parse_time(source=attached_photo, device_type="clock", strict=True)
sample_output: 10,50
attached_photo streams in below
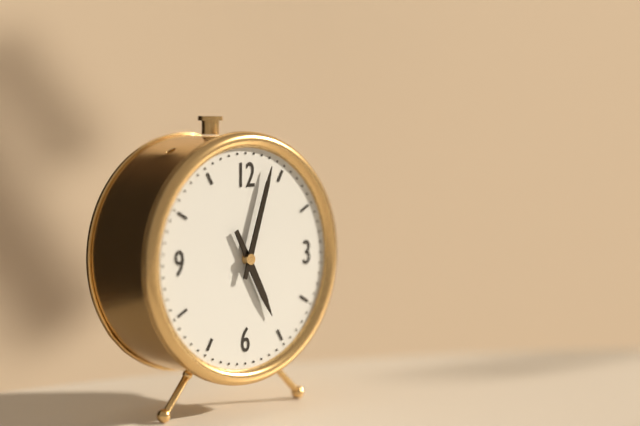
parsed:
5,03
